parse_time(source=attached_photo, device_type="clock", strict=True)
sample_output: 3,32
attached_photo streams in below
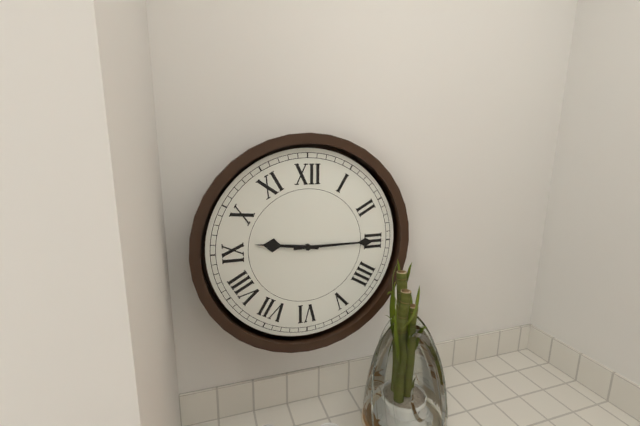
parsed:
9,15
